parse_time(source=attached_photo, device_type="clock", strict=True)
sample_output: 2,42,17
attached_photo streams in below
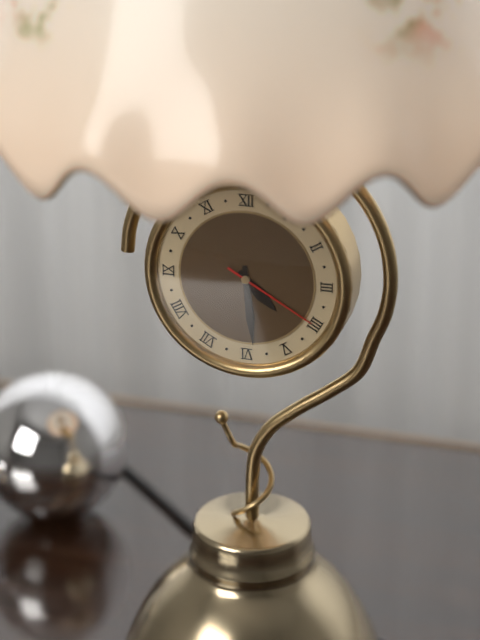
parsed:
4,29,20
